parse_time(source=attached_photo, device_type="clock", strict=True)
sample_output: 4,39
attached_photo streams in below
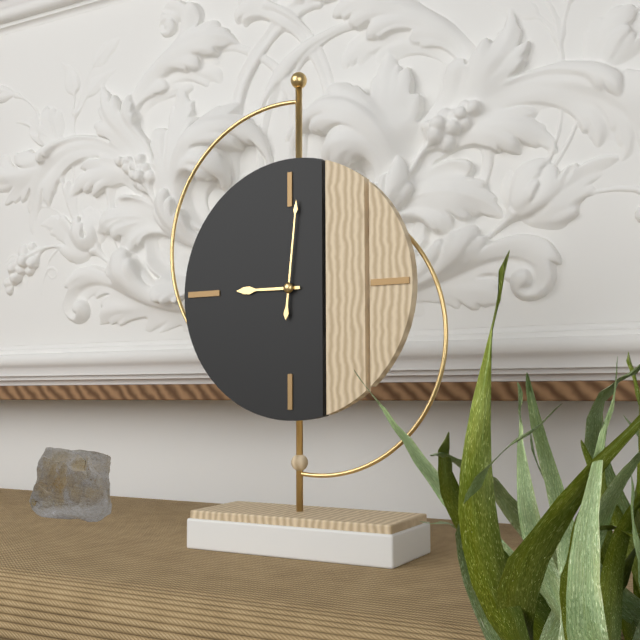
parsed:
9,01
